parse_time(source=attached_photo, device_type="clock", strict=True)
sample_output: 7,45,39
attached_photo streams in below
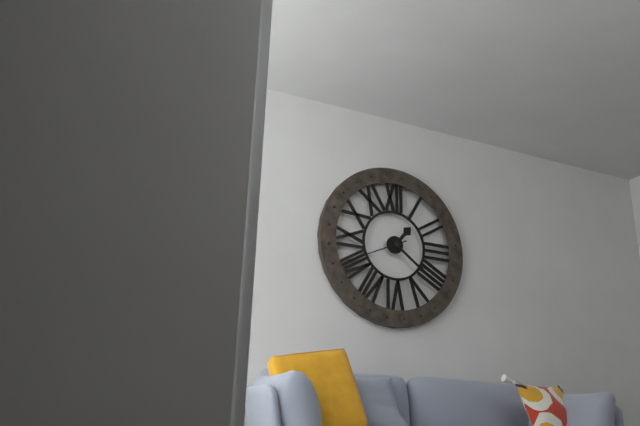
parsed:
1,21,41
